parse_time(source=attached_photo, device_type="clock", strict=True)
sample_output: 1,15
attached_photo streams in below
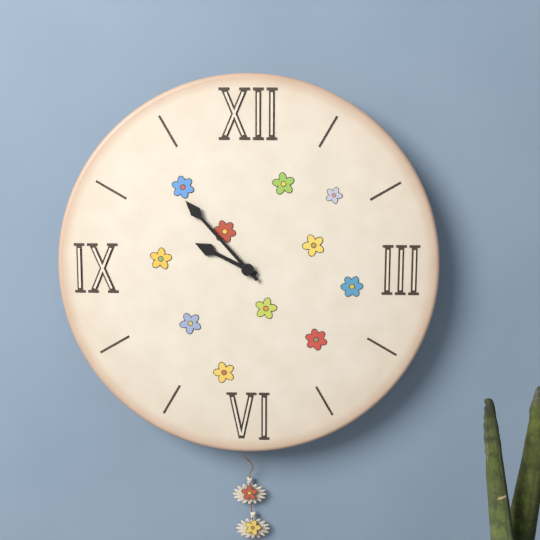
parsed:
9,53
